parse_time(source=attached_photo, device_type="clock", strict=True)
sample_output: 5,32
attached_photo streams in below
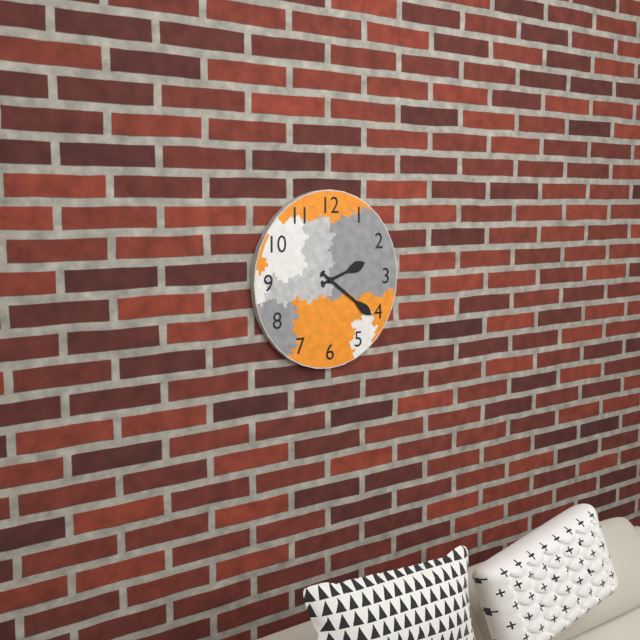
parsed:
2,21
